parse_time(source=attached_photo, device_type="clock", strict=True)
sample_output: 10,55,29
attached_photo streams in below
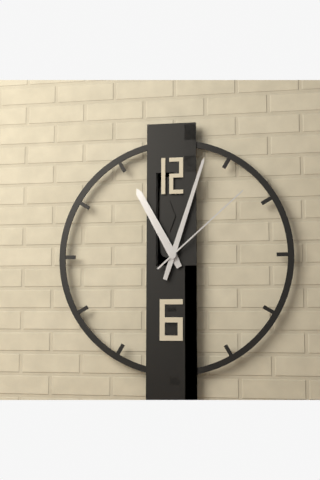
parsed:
11,03,08
